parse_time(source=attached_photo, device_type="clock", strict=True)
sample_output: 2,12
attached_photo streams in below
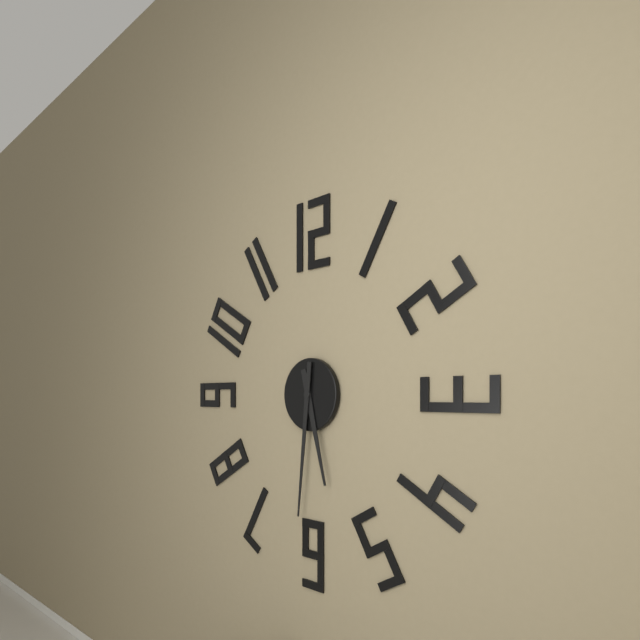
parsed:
5,31
